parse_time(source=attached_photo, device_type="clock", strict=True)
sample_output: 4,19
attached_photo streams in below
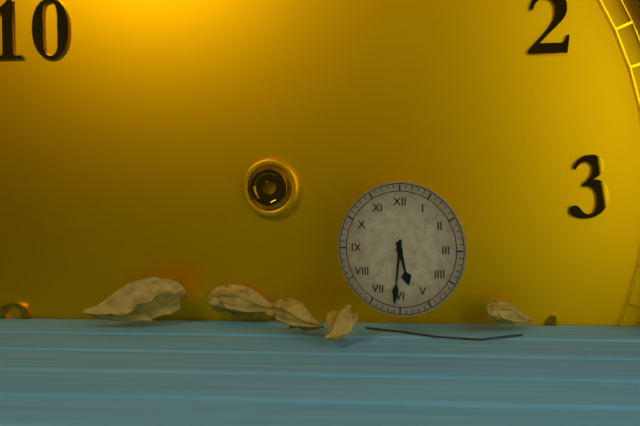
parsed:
5,31
